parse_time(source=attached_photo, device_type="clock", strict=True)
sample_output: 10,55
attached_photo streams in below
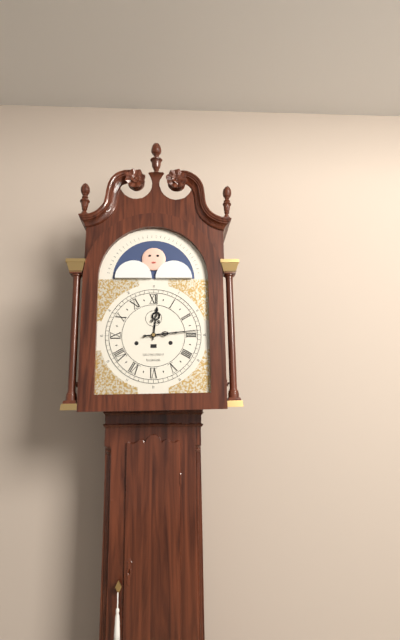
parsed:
12,14
